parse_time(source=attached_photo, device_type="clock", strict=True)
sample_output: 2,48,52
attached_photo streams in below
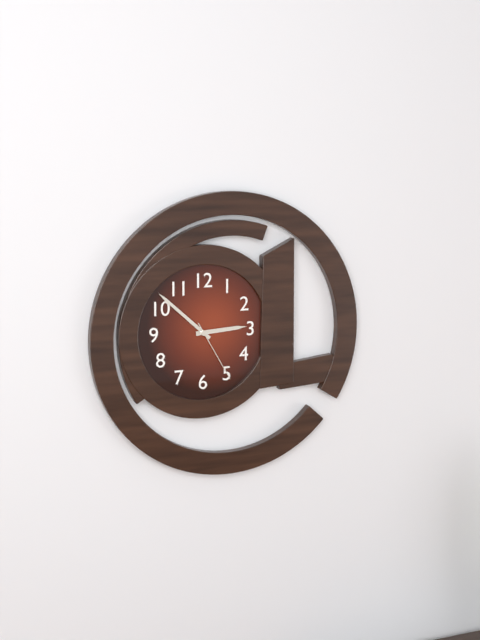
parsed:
2,52,25
